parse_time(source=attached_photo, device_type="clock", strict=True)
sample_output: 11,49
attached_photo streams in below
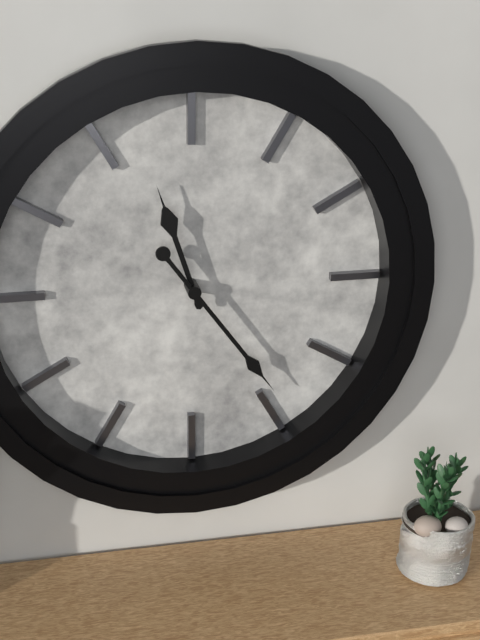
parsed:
11,24
